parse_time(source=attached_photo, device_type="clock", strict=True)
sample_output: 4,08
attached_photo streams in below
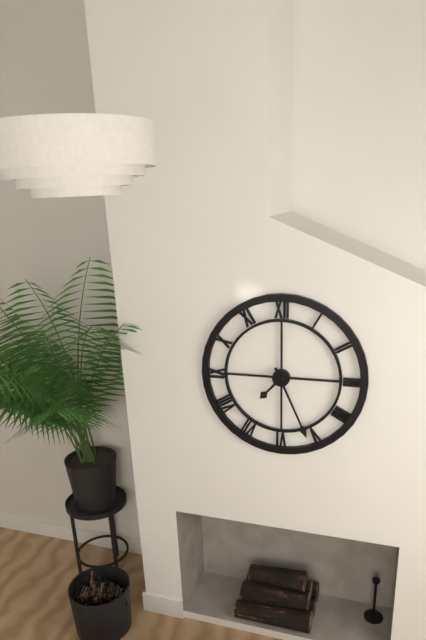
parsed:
7,26
